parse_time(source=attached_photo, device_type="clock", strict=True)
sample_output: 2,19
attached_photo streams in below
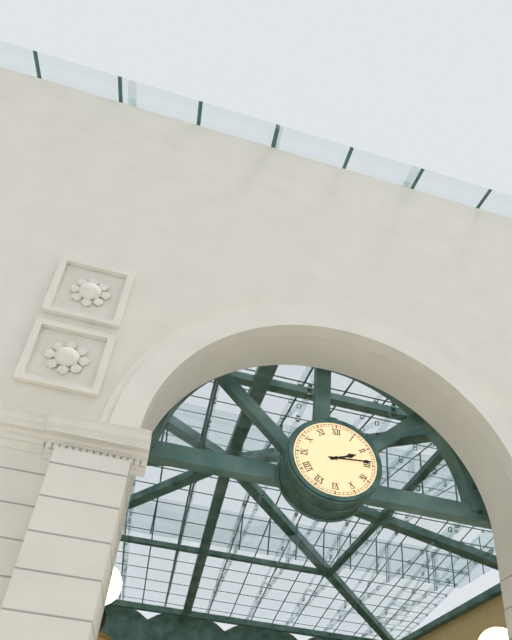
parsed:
2,14
